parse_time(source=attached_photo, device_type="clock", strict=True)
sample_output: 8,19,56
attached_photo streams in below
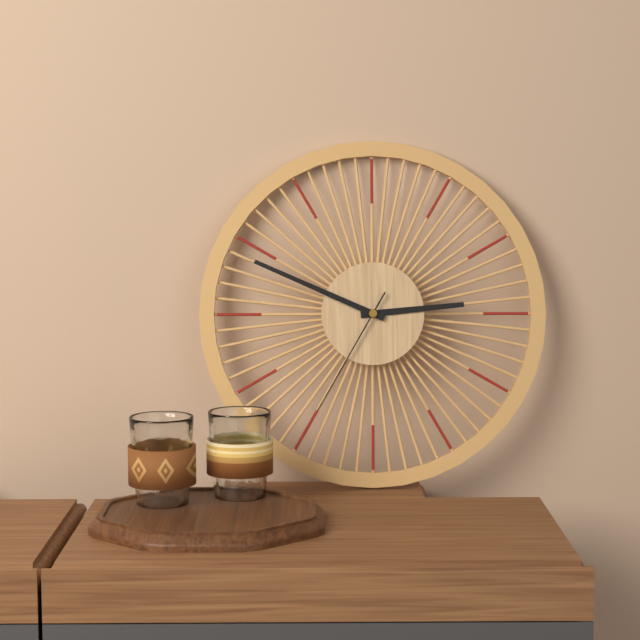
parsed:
2,49,35
